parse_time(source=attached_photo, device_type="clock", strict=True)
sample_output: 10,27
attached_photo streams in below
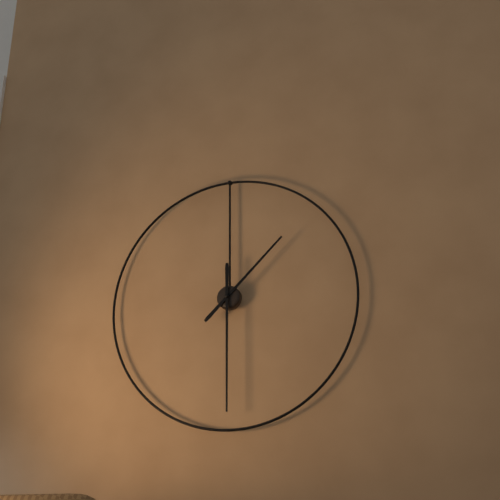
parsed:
1,30
